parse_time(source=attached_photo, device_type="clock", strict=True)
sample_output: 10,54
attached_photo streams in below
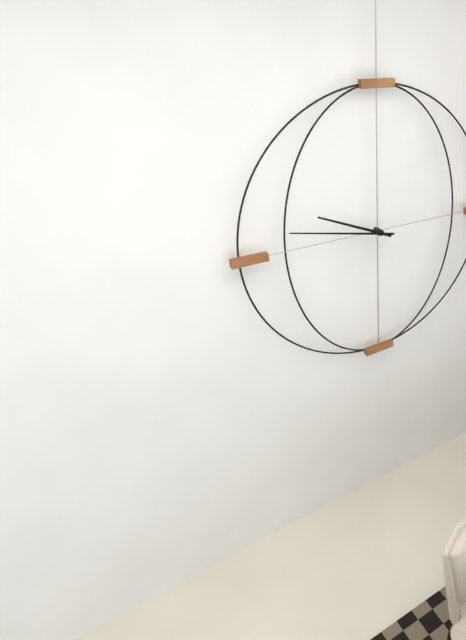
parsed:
9,47
